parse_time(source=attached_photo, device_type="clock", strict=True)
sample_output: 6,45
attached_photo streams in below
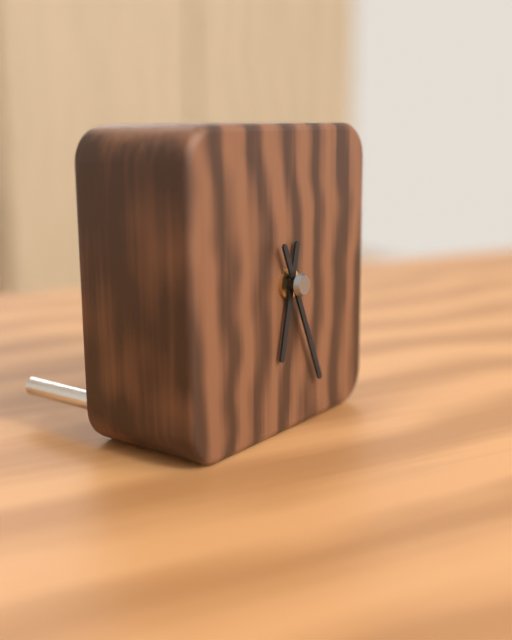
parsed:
6,26
